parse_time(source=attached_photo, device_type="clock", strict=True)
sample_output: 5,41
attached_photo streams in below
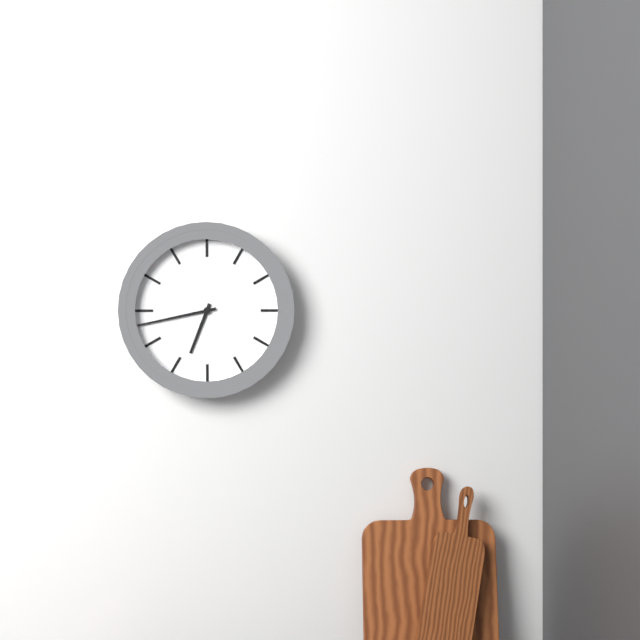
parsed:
6,43
